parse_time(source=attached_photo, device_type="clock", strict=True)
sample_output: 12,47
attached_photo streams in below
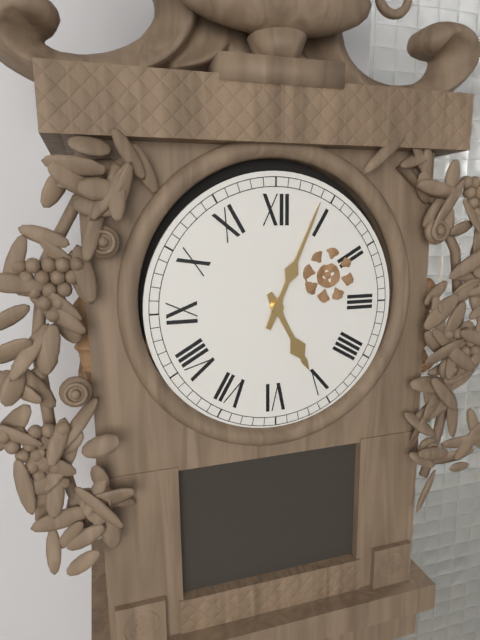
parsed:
5,04
